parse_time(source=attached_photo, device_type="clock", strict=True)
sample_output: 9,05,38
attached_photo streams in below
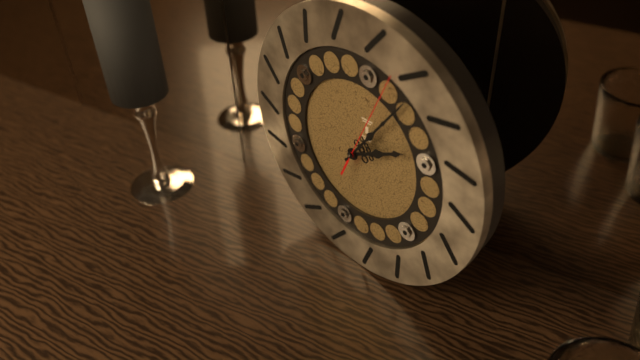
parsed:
2,06,04
